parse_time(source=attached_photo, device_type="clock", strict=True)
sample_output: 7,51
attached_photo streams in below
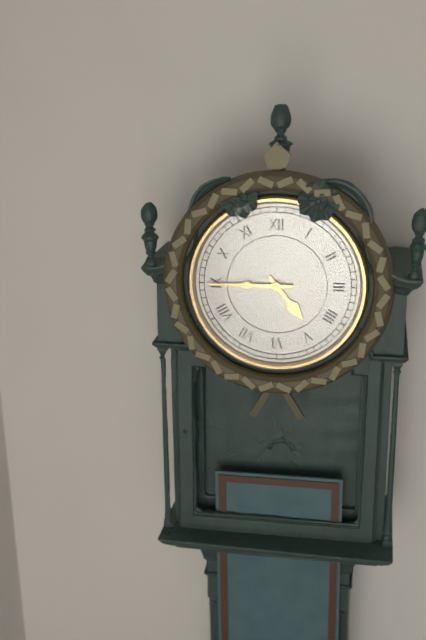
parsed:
4,45
